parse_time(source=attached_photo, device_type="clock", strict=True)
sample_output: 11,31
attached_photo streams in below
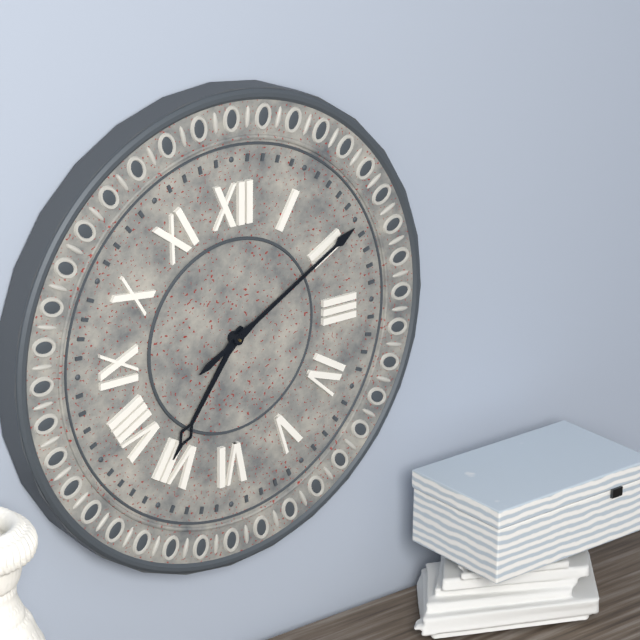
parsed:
7,10
